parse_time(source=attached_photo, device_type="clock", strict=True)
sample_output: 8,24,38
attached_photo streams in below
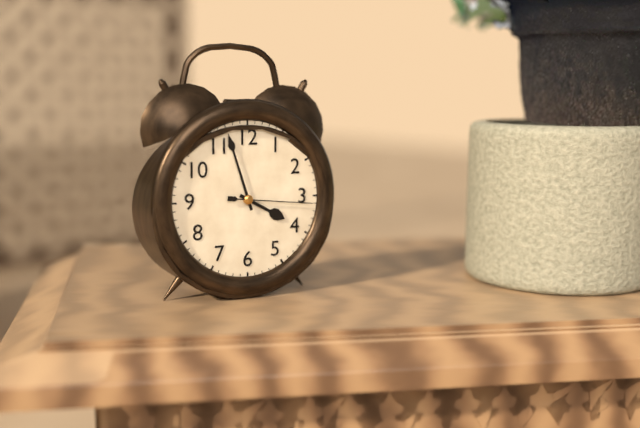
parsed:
3,57,16
